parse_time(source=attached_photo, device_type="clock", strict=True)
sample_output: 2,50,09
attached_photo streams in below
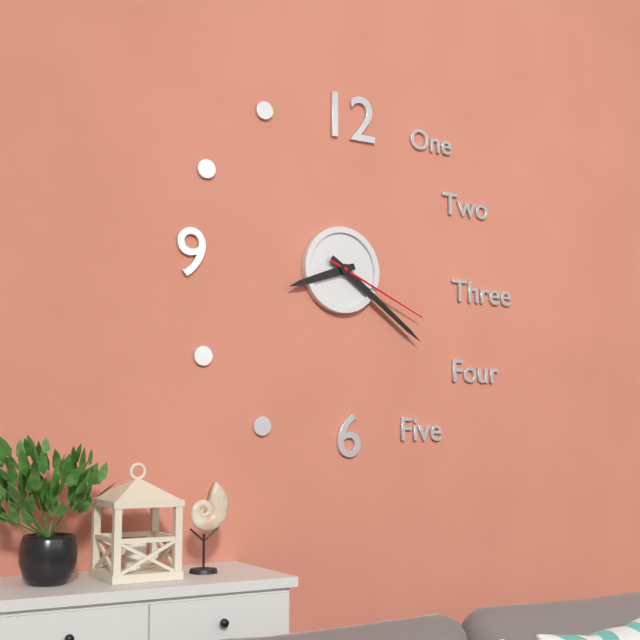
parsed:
8,21,19
